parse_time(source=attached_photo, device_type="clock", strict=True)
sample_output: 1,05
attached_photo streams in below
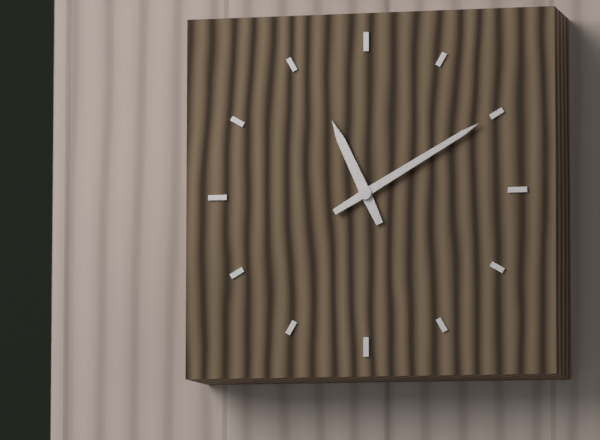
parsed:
11,10
